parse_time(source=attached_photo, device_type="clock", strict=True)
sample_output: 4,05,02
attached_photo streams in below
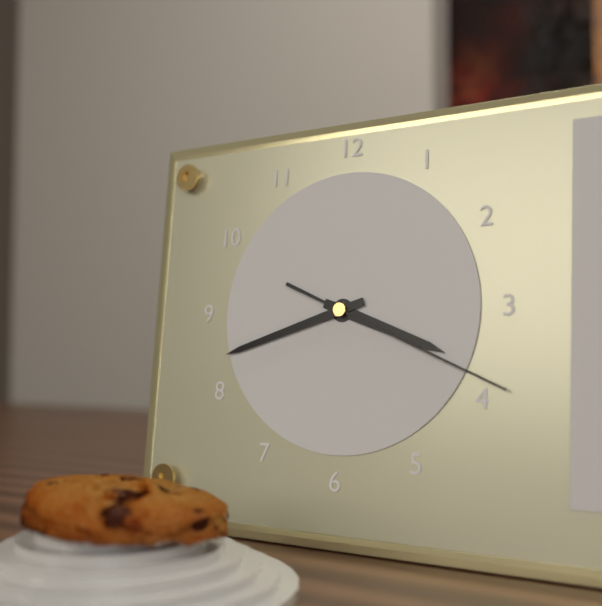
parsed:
3,42,19
